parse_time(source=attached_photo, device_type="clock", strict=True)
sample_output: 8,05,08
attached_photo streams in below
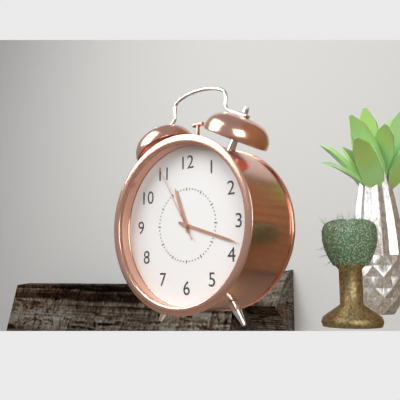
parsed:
11,18,55
